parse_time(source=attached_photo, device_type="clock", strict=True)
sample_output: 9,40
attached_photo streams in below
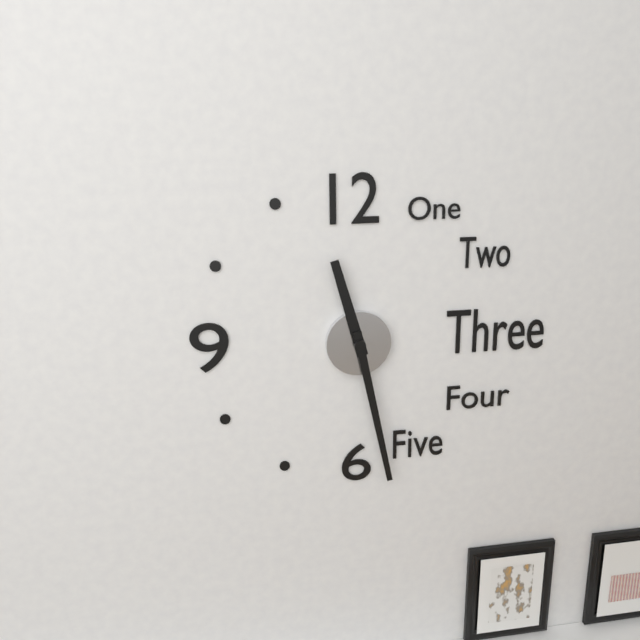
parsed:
11,28
